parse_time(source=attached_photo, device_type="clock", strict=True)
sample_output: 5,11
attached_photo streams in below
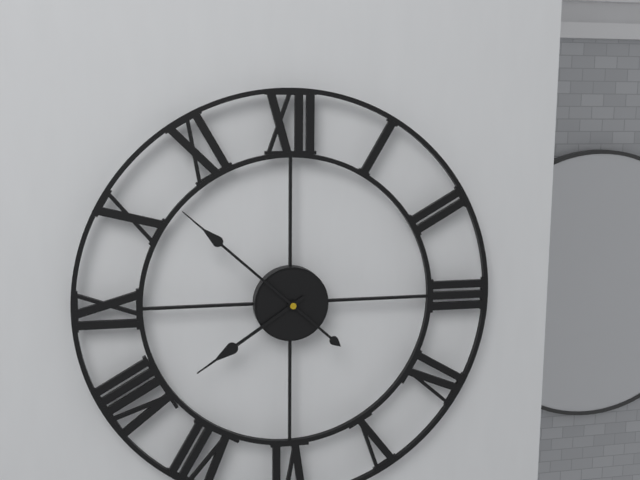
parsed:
7,52
